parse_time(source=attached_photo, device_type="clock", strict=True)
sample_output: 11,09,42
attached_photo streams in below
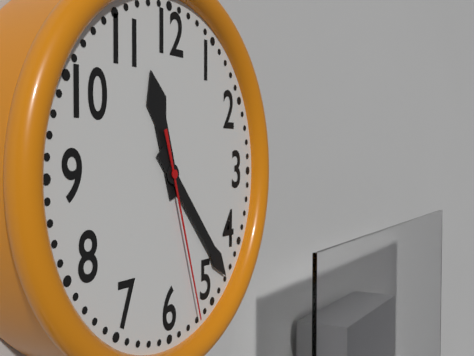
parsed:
11,23,27
